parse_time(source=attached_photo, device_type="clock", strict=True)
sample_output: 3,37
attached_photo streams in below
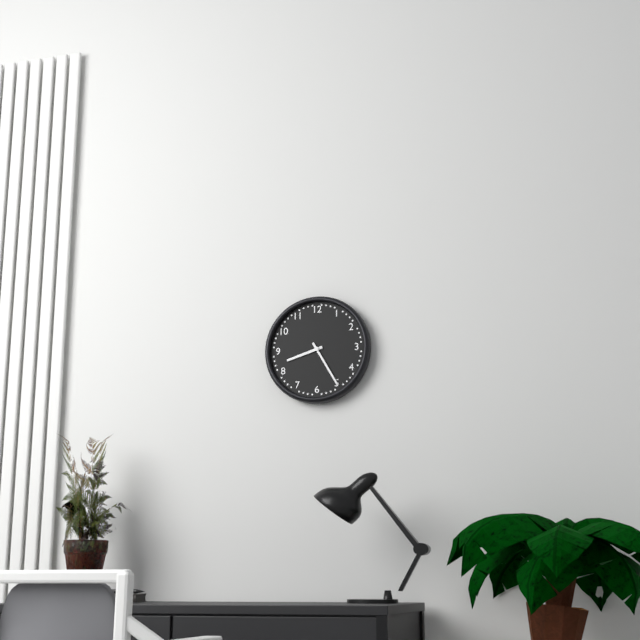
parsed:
8,25
